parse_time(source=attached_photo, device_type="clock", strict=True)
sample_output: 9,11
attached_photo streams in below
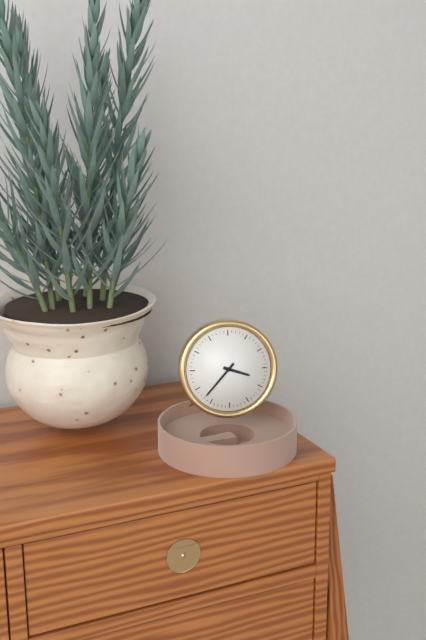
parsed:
3,37
